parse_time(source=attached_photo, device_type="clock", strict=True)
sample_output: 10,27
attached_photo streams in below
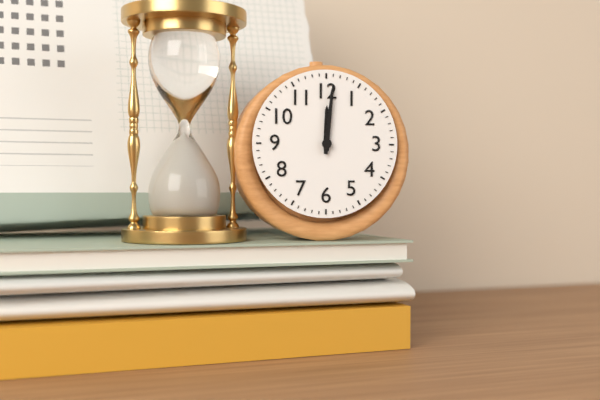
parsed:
12,01
